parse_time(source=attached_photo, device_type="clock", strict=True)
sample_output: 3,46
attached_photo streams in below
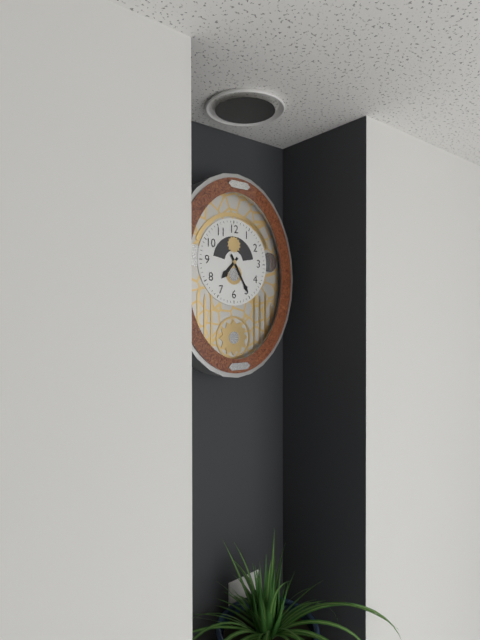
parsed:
7,25
